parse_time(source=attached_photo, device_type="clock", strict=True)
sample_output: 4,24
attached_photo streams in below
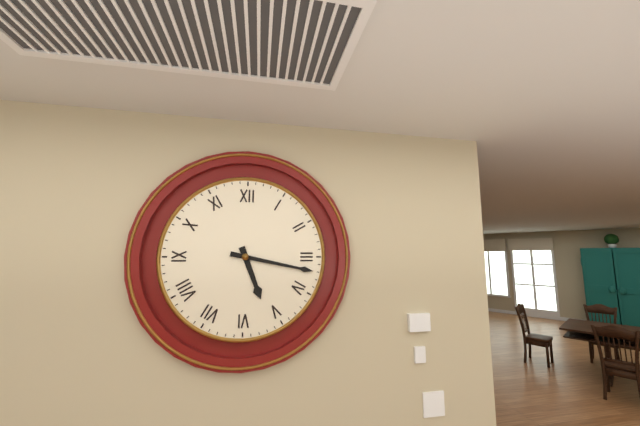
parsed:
5,17
